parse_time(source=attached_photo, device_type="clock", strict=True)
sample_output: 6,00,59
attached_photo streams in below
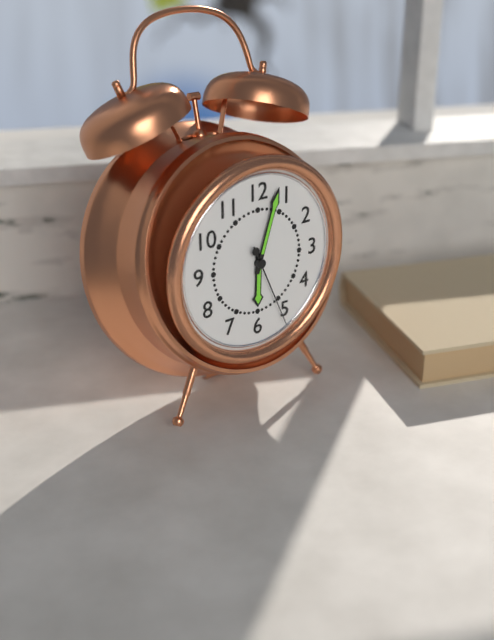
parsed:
6,03,26
